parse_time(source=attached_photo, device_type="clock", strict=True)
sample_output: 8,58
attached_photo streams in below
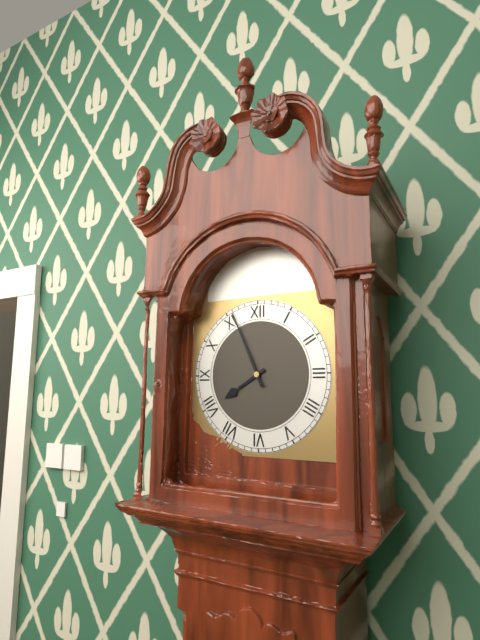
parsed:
7,56
